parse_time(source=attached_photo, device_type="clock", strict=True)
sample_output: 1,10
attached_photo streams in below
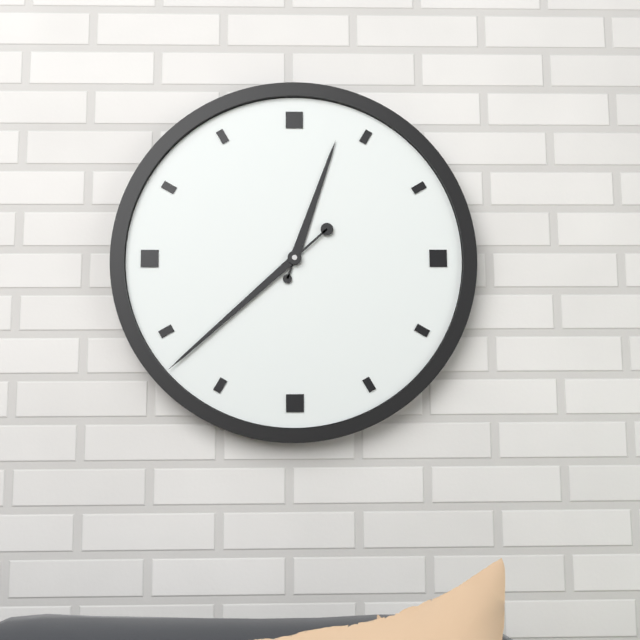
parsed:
12,38
